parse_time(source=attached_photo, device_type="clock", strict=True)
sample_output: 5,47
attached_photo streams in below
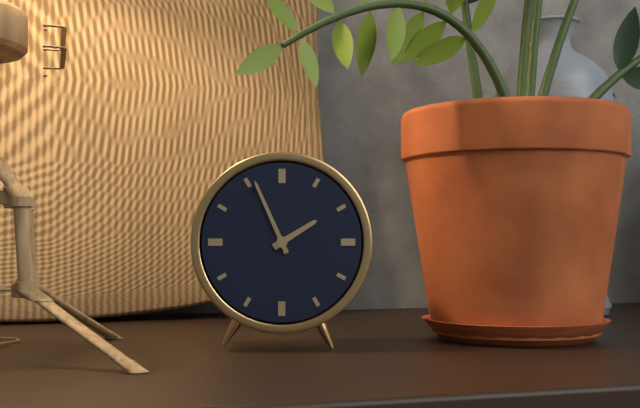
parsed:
1,56
